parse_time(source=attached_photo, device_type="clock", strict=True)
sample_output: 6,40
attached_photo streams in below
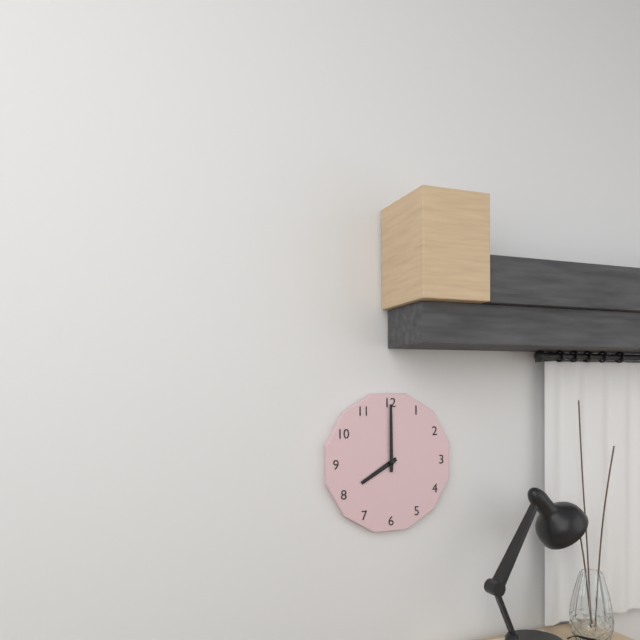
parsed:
8,00
